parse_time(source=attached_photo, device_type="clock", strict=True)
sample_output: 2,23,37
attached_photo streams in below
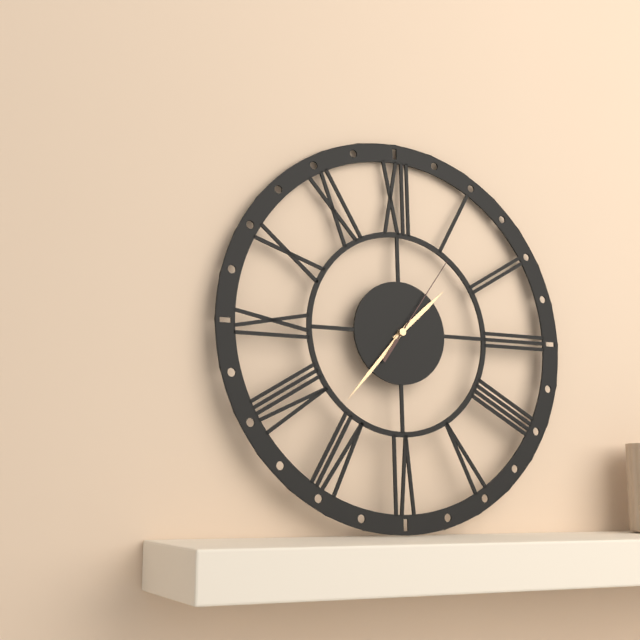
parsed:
1,37,06
